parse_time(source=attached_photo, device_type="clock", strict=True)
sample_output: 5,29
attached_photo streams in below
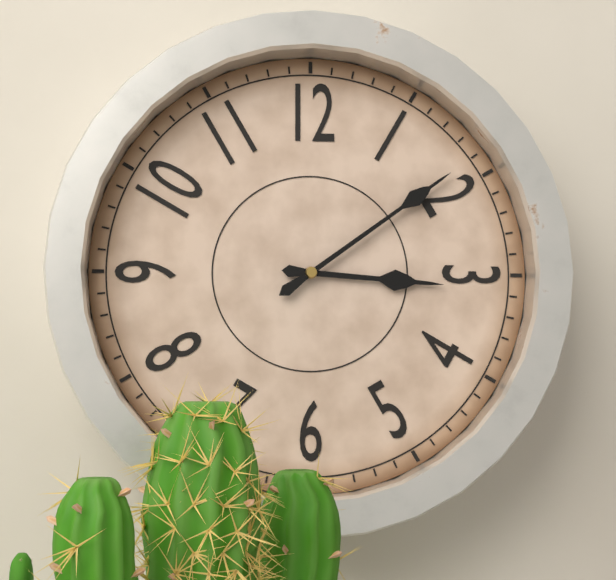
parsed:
3,09
